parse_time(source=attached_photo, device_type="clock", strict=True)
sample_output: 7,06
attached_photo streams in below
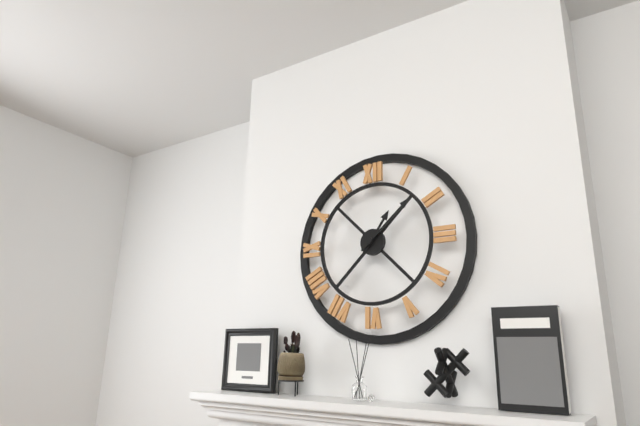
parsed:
1,08
